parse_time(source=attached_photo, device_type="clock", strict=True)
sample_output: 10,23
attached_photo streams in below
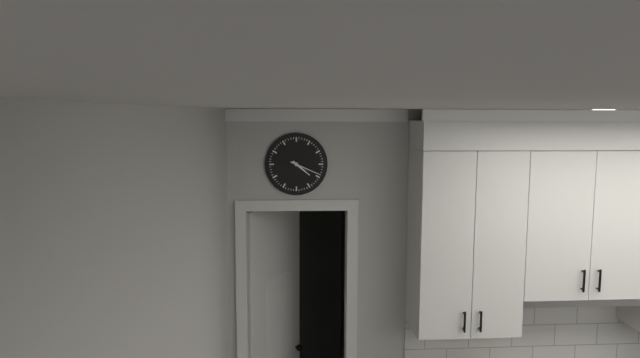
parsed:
4,19
